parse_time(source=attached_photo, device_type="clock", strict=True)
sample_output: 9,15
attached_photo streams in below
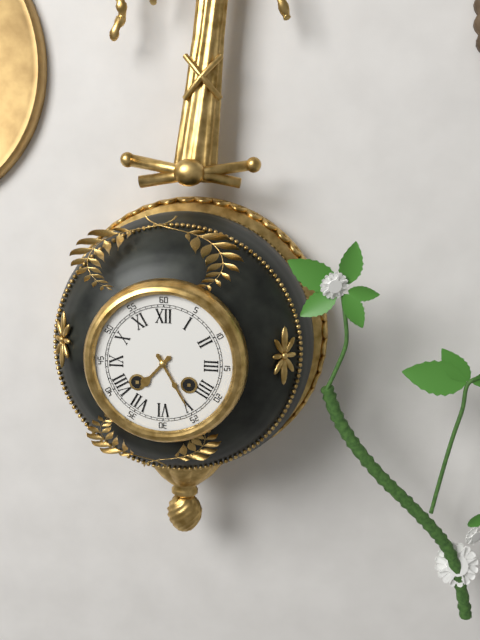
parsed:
7,25
